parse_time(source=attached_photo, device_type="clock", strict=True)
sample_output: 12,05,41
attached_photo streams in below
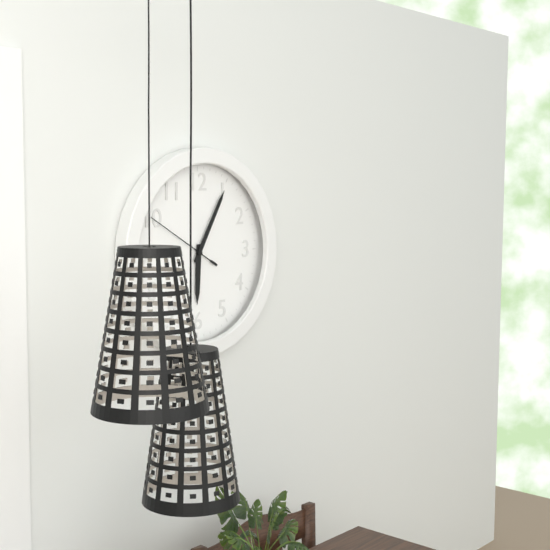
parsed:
6,05,50
